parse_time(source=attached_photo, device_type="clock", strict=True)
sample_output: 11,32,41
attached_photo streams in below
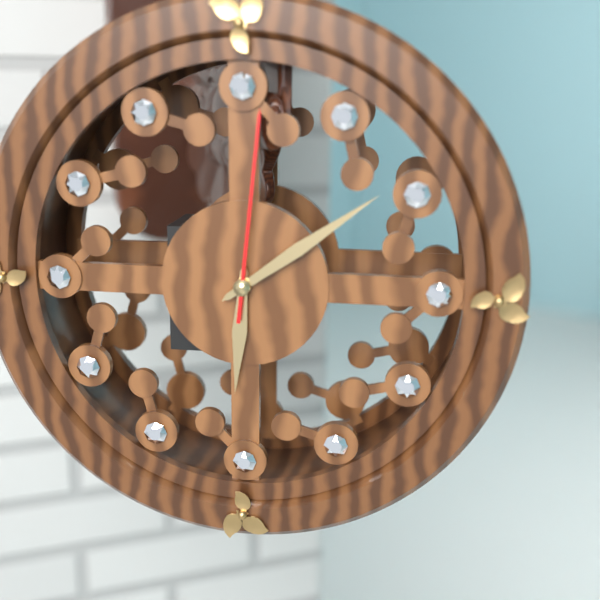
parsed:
6,09,01
